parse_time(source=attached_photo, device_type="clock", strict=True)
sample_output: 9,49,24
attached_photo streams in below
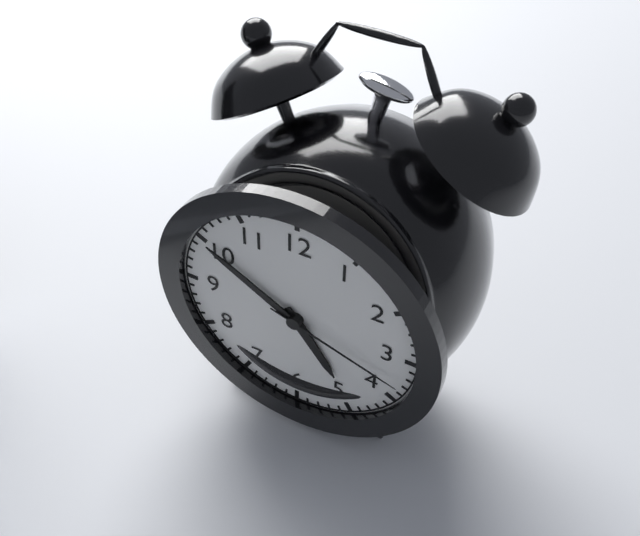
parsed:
4,50,18
